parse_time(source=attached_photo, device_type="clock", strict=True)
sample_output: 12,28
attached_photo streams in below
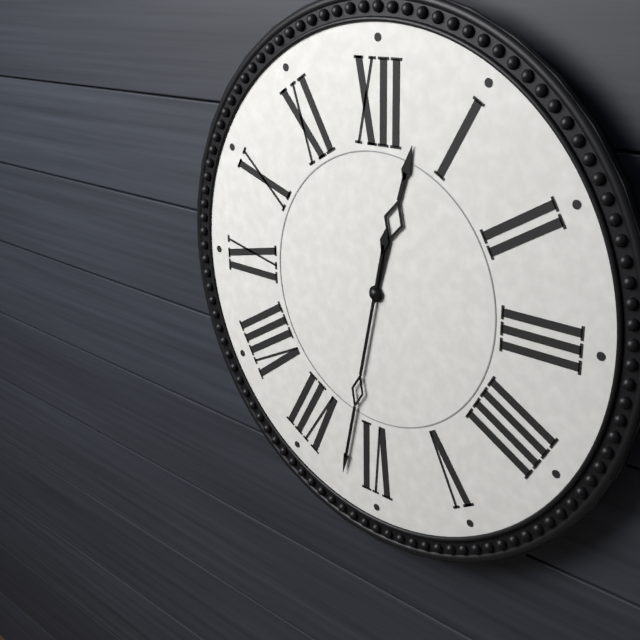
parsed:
12,32
